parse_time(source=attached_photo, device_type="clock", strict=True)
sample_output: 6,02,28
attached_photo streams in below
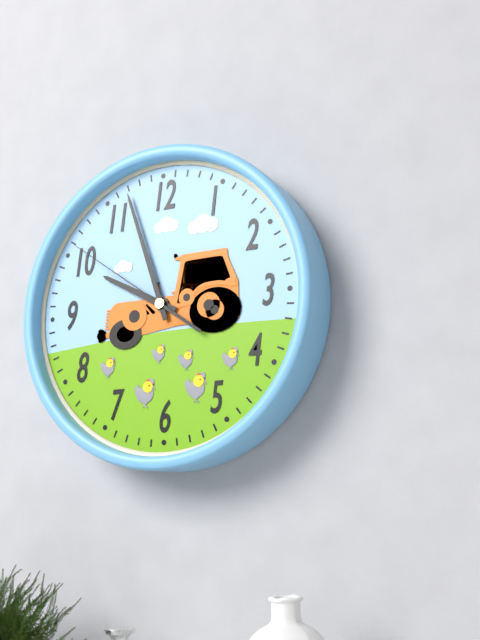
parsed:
9,57,51
